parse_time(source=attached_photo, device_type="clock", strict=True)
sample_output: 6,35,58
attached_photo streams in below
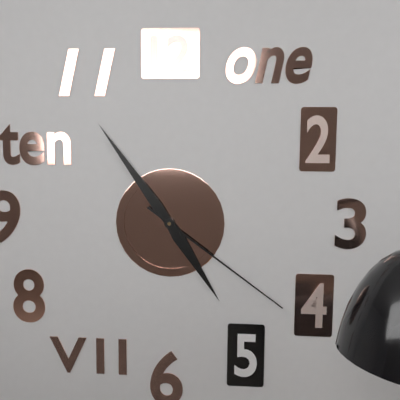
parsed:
4,54,21
